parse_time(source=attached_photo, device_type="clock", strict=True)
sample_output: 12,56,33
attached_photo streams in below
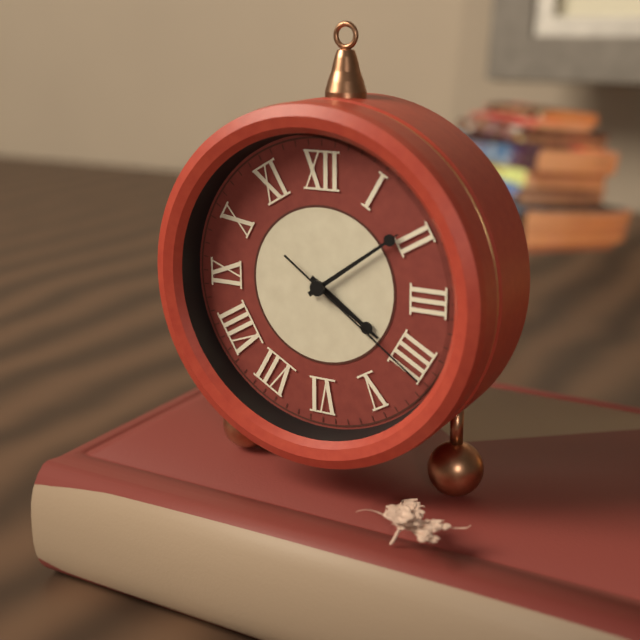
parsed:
4,09,21
